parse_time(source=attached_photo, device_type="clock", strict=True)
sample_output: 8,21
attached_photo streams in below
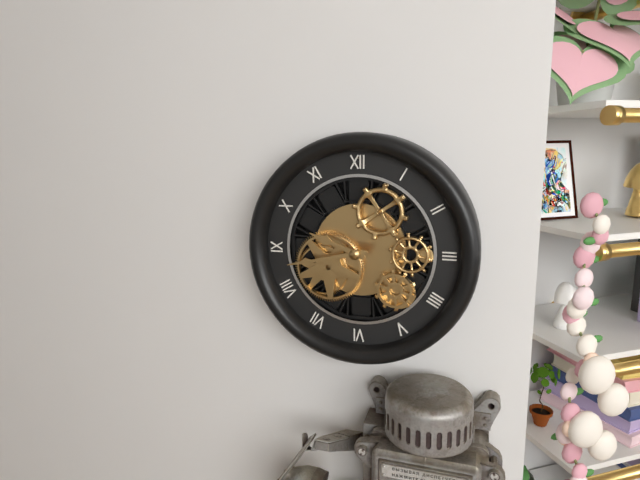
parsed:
9,43
